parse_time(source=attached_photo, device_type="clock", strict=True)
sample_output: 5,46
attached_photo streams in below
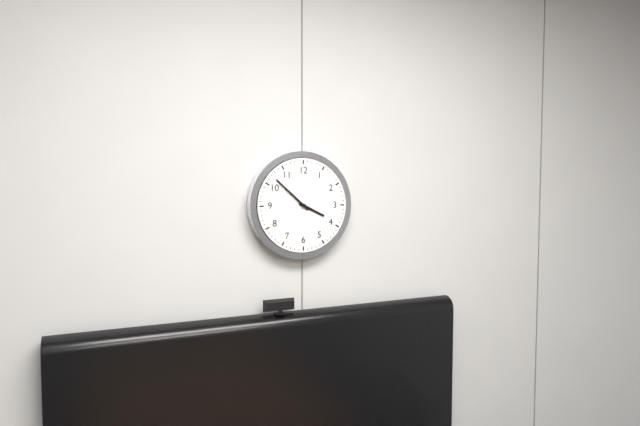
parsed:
3,52
